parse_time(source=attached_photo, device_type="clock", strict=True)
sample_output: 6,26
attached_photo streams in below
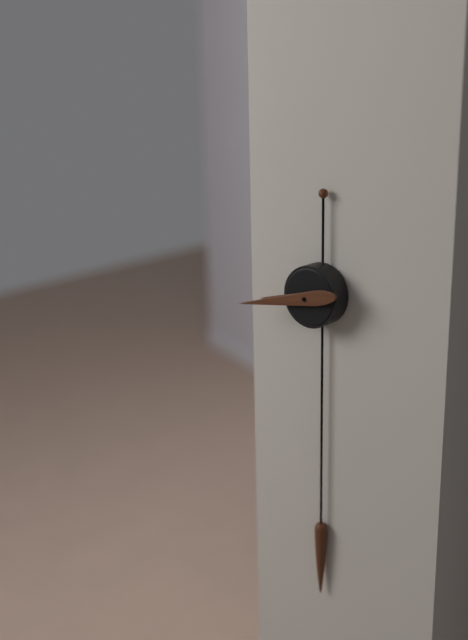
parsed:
8,43
